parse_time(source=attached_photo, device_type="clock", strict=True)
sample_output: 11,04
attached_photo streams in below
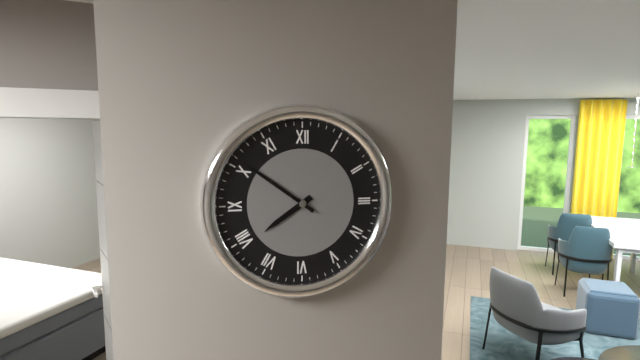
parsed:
7,51
